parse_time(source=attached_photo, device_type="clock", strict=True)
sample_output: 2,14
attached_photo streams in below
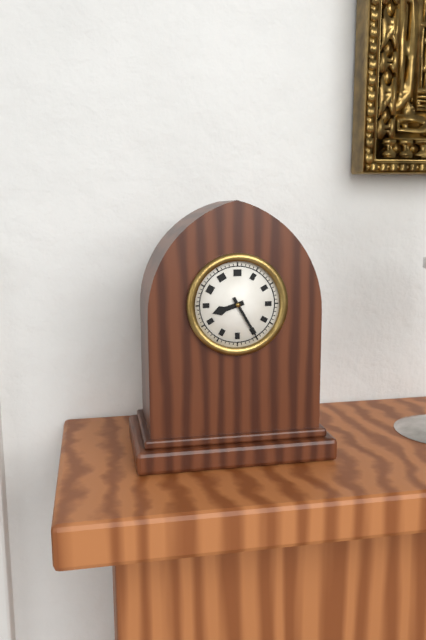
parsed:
8,25
